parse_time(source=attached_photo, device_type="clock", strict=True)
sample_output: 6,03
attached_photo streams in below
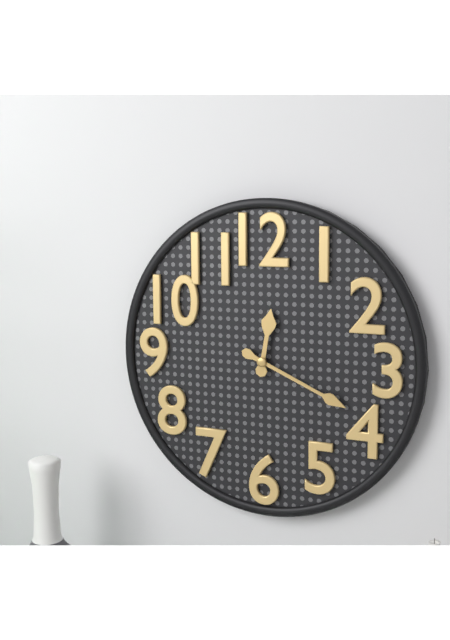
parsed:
12,19
